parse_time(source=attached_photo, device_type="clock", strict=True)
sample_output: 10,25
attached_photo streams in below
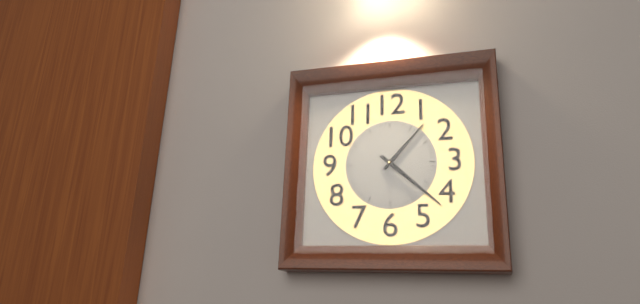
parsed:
1,22
